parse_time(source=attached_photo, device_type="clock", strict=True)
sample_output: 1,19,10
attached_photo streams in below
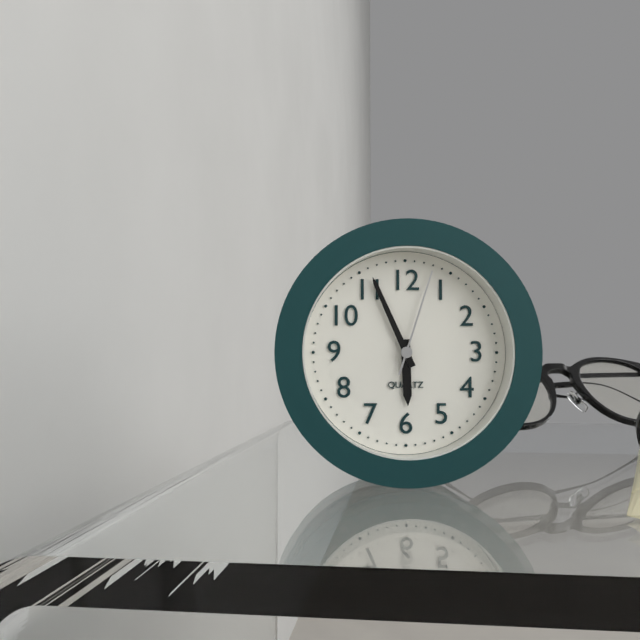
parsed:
5,56,03
